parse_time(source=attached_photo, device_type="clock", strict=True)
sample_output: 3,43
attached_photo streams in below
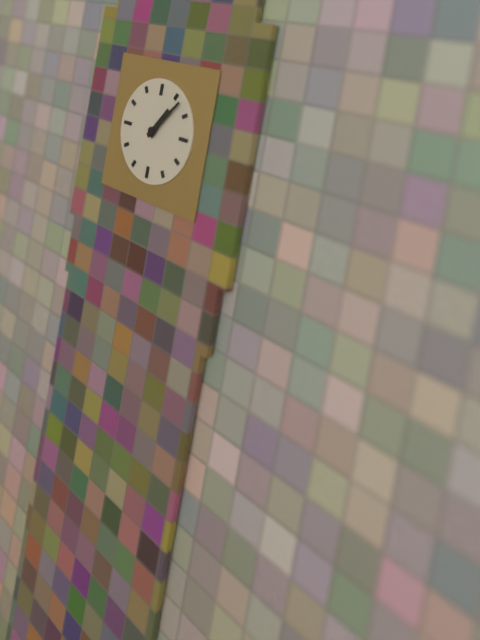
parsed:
1,07
